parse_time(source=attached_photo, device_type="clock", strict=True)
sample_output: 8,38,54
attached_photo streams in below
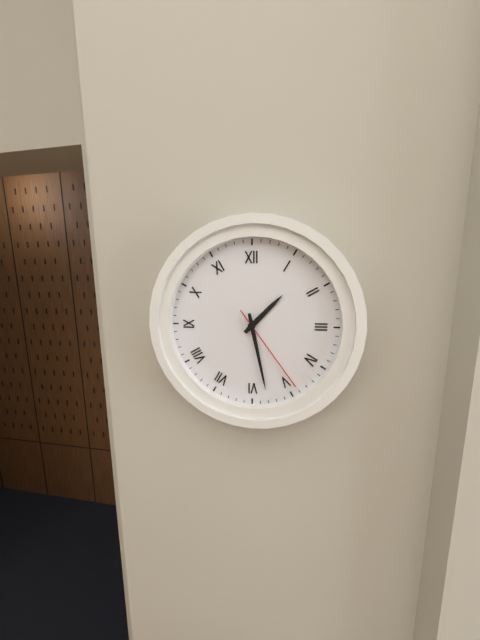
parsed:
1,28,24
